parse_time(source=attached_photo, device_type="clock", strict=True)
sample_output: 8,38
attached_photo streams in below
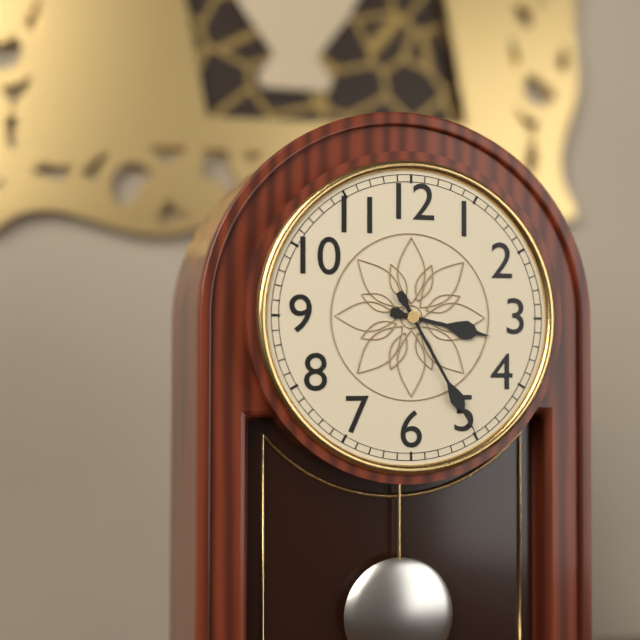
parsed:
3,25
